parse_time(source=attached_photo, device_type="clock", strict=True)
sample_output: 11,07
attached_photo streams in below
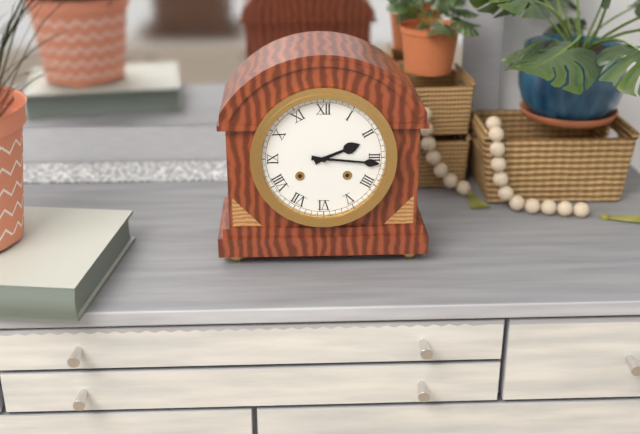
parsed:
2,16
